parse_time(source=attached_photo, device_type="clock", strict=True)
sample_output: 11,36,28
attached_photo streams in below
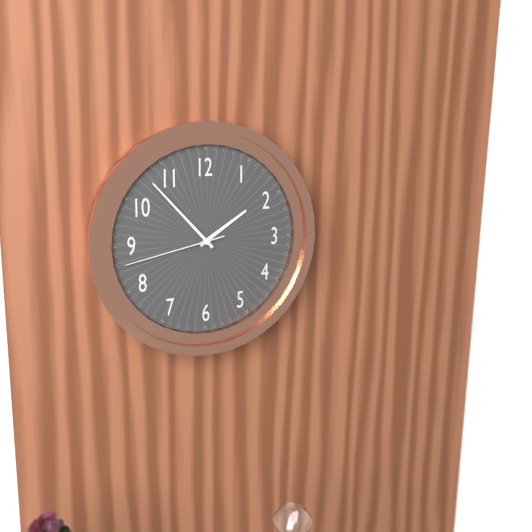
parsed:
1,53,43
